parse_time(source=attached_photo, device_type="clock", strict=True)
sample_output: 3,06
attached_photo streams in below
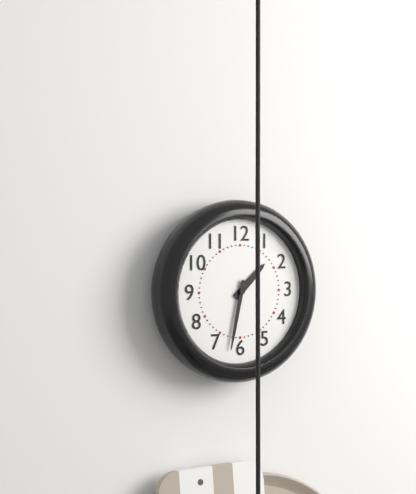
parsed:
1,32
